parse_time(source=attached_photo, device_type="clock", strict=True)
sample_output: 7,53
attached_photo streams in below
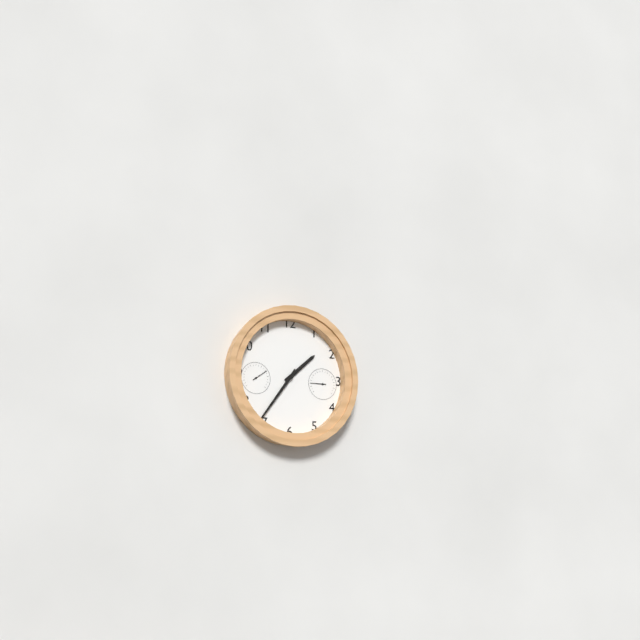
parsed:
1,36
